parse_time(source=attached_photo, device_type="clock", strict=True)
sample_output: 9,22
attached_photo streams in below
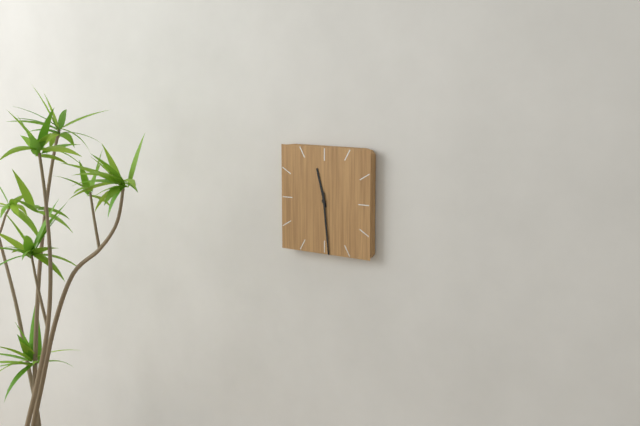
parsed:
11,29
